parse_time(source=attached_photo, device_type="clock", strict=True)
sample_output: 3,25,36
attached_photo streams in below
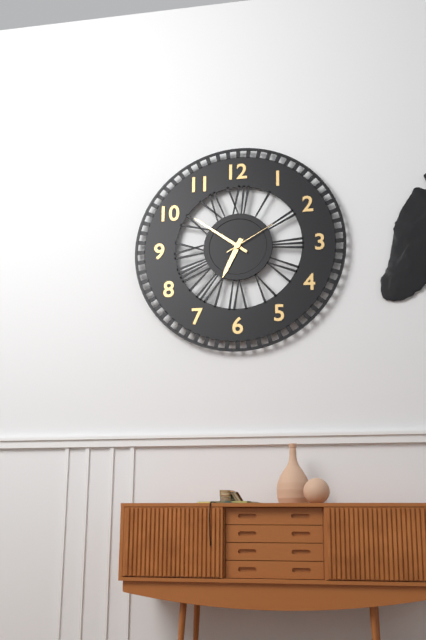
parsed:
6,51,10
